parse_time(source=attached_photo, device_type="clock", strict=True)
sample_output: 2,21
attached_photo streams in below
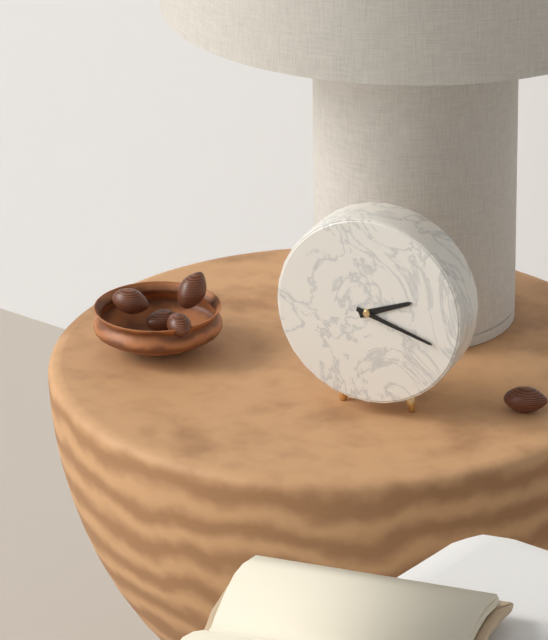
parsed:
2,18
